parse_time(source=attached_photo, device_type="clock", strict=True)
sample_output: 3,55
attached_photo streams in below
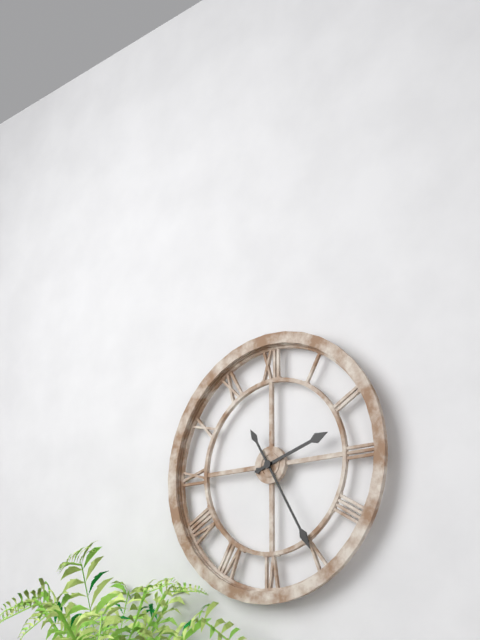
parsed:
2,25
